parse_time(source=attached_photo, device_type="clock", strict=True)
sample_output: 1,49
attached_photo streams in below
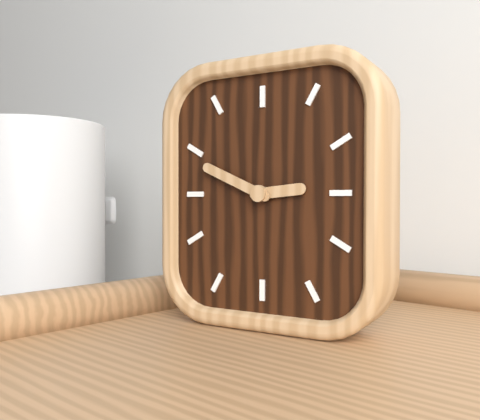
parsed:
2,49
